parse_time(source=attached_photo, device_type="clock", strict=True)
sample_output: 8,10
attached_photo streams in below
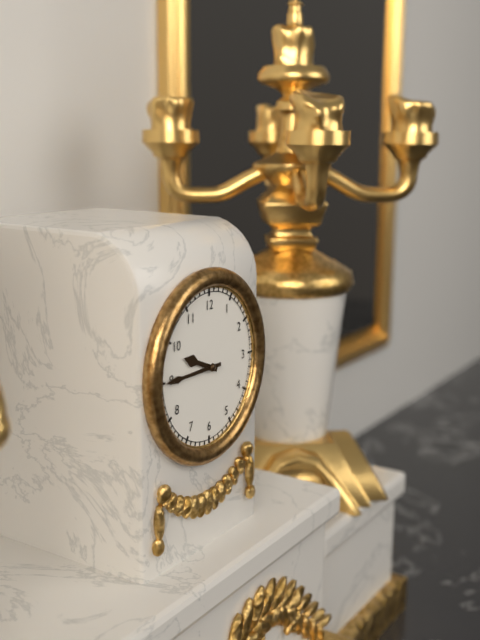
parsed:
9,45
